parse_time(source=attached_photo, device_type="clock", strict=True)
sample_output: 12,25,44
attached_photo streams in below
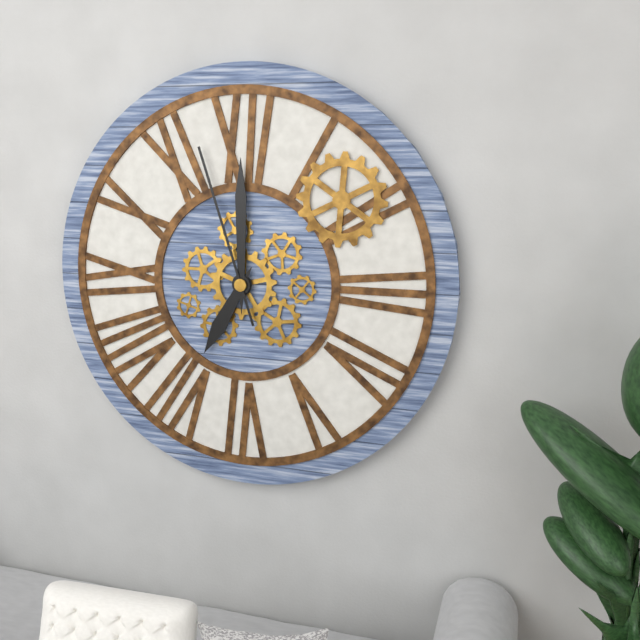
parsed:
7,00,57
